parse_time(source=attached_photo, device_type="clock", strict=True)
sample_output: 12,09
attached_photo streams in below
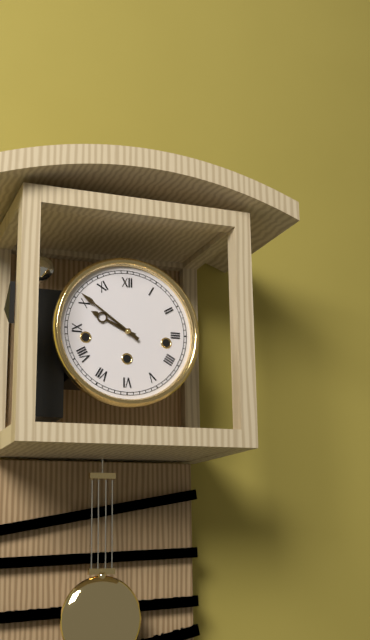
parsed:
9,51
